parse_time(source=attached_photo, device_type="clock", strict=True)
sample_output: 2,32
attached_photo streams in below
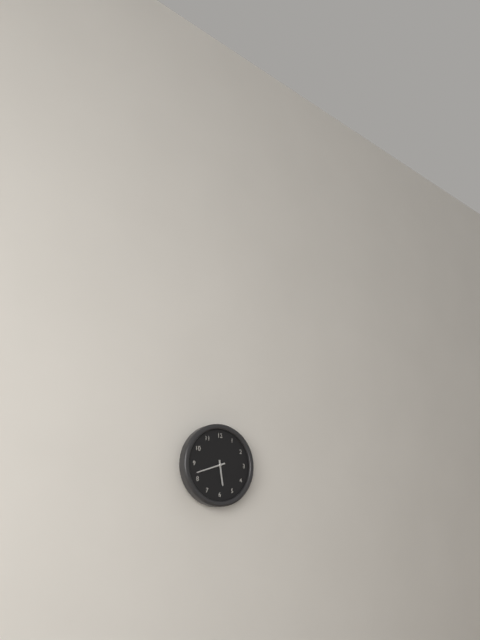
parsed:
5,42
